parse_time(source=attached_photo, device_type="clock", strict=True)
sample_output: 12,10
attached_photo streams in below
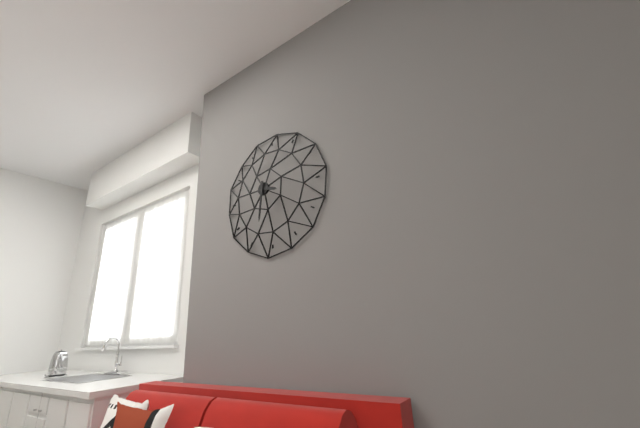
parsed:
3,31
